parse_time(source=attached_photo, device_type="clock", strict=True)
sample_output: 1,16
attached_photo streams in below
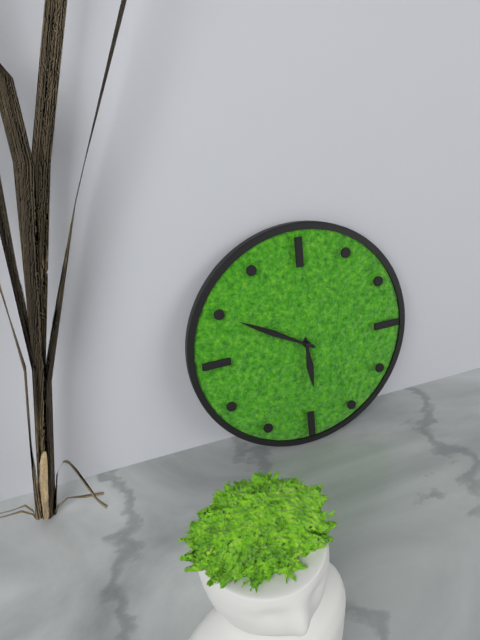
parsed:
5,50
